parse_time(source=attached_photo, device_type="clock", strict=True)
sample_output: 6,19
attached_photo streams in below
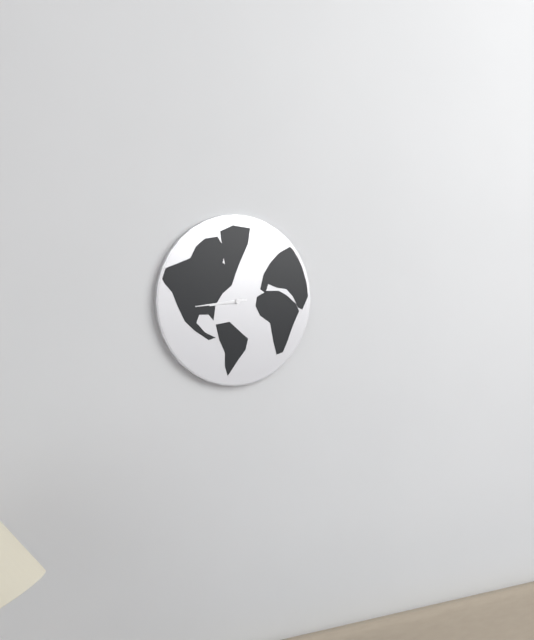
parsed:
8,44
